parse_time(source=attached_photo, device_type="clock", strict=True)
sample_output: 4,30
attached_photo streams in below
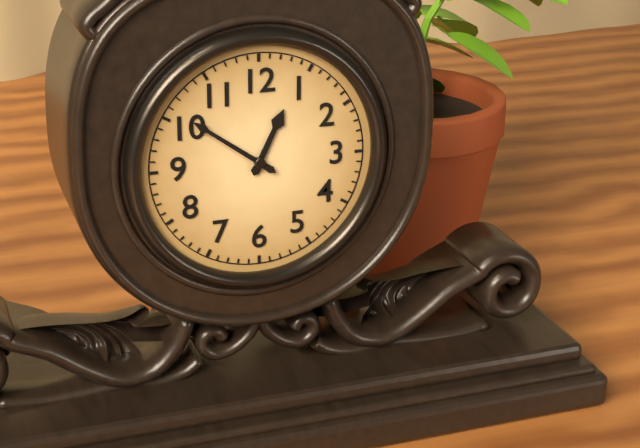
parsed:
12,51
